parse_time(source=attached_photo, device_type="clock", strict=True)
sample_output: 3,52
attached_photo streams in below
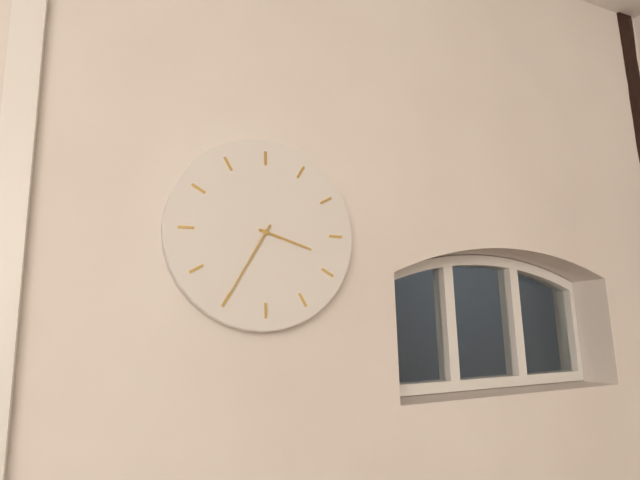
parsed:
3,35
